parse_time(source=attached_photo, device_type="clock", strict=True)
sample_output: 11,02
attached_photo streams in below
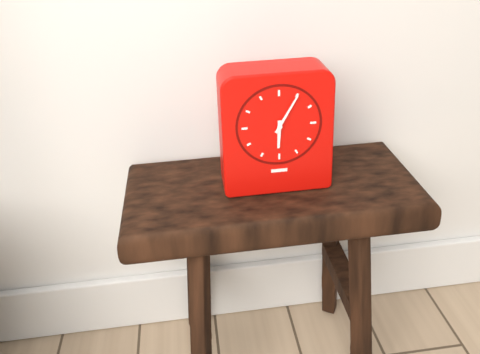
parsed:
6,05
